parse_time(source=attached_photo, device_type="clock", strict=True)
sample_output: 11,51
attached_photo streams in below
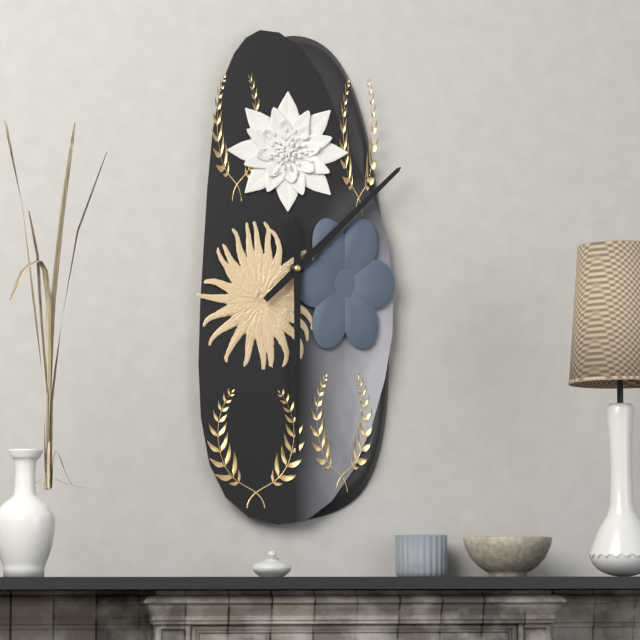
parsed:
1,30
